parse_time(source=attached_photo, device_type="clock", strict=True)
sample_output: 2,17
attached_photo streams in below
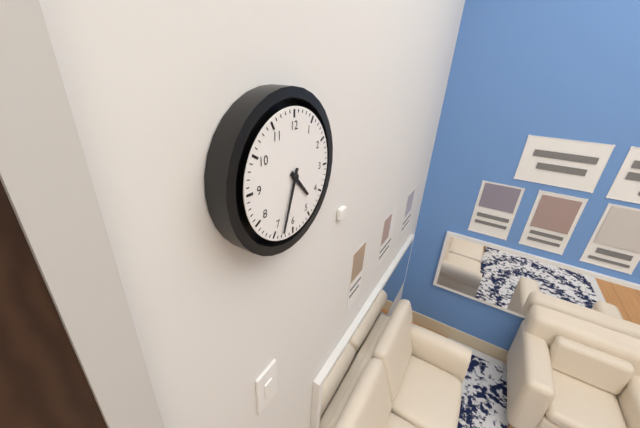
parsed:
4,33
